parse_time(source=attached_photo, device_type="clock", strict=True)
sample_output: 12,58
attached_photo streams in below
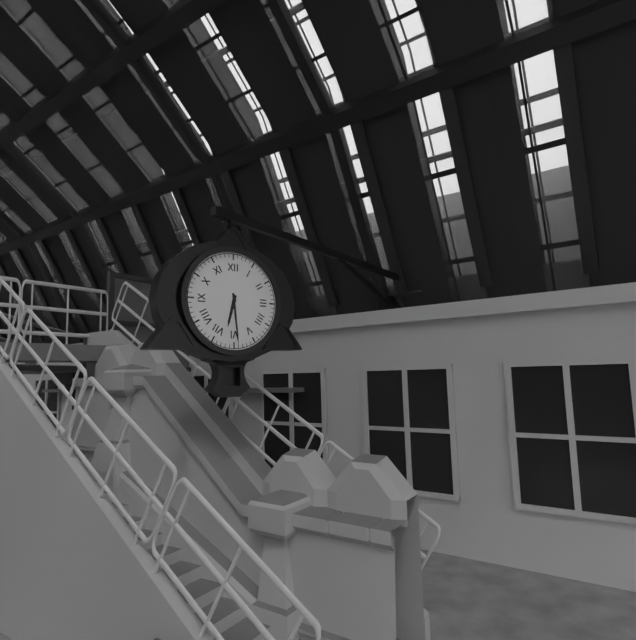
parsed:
6,29
